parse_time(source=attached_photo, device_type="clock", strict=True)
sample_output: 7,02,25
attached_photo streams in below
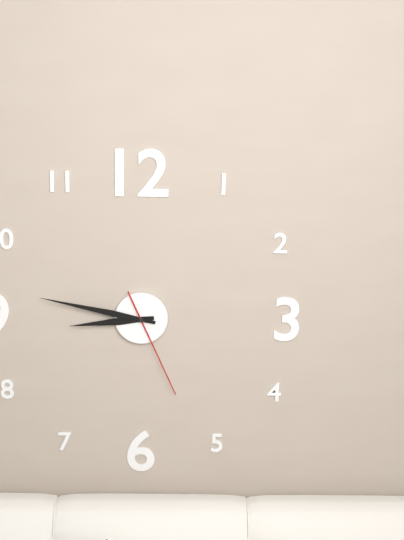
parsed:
8,47,26
